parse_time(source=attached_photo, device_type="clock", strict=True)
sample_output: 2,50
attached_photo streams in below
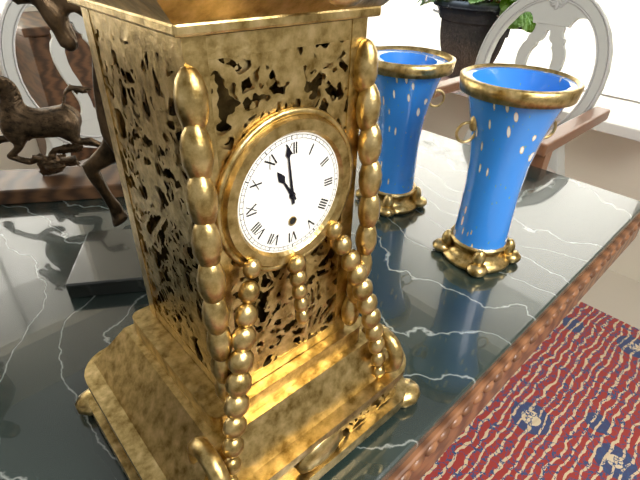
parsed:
10,59
